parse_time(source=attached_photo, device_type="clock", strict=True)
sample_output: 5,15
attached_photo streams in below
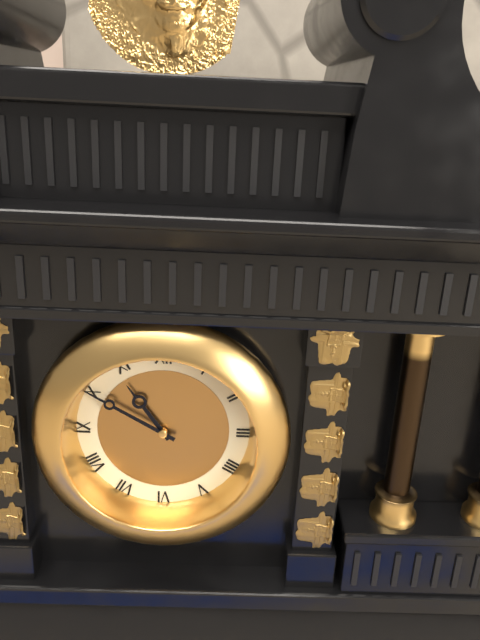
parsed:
10,50
